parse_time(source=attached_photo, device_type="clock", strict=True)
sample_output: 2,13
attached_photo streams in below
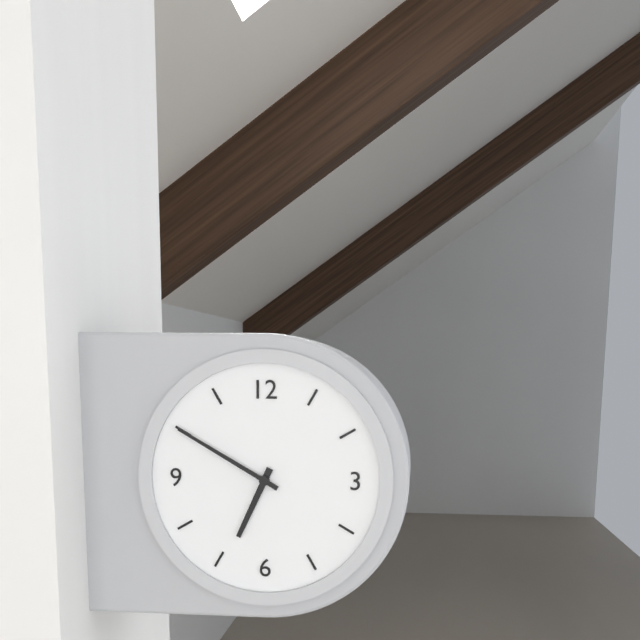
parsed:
6,50
